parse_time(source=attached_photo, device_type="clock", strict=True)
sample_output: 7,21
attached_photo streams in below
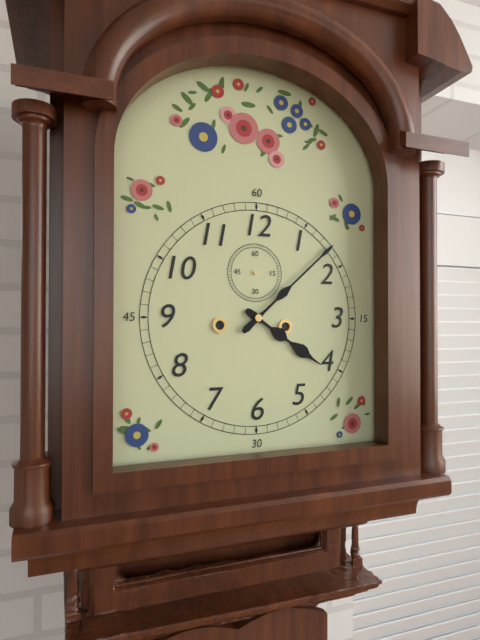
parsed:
4,08
